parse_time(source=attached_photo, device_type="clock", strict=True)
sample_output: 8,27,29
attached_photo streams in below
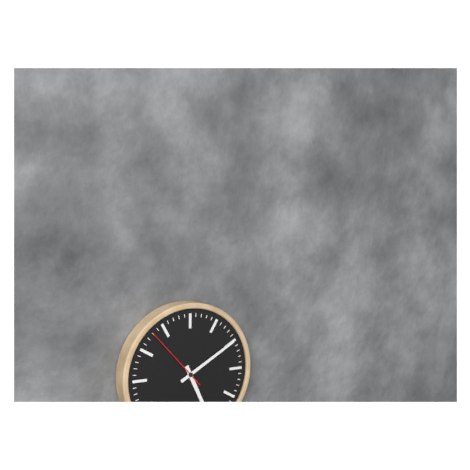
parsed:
5,10,53
